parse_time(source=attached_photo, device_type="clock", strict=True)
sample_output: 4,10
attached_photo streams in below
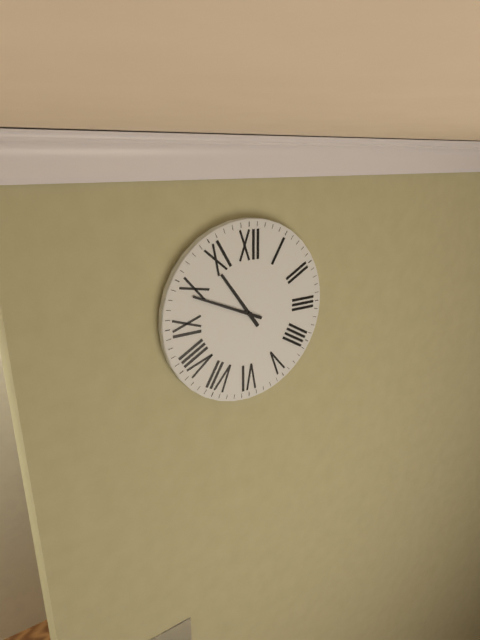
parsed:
10,49
